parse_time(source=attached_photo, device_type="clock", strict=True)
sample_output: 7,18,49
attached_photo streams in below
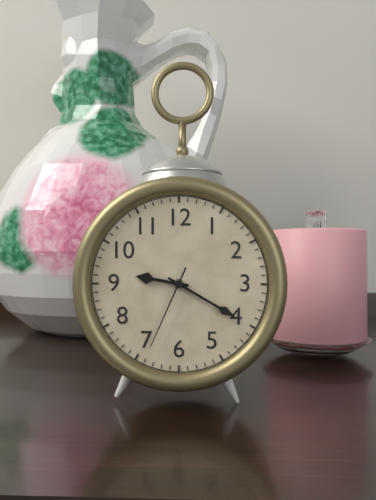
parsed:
9,20,34
